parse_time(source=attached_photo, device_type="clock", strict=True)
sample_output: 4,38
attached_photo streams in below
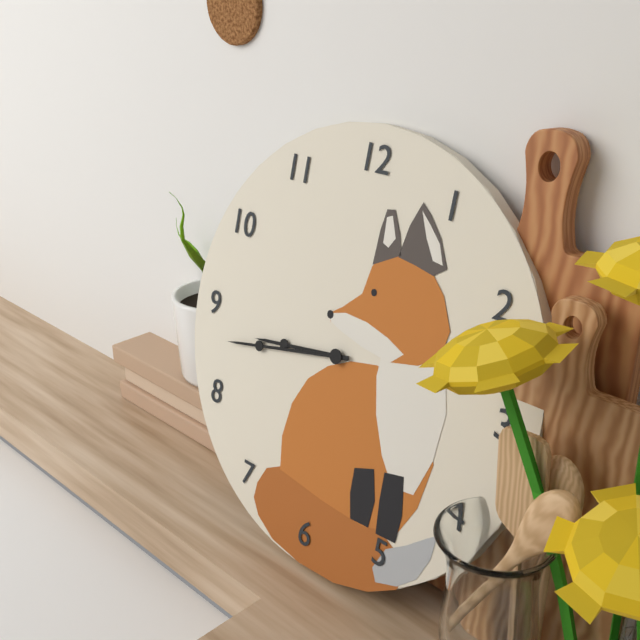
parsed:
8,43
